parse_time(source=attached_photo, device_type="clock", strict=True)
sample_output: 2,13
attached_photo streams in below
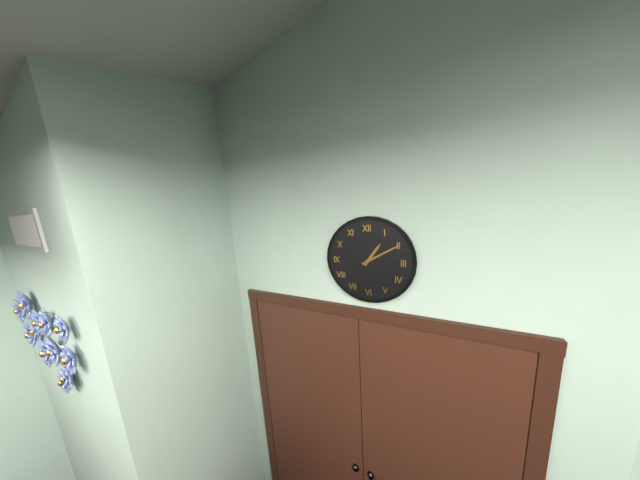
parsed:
1,10
